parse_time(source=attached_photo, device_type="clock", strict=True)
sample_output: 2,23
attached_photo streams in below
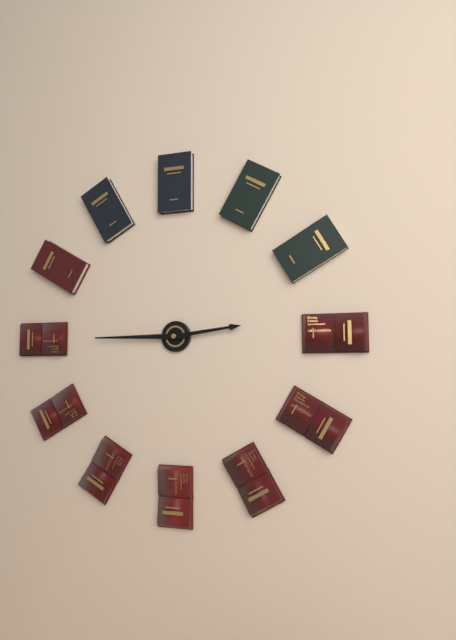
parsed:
2,45
